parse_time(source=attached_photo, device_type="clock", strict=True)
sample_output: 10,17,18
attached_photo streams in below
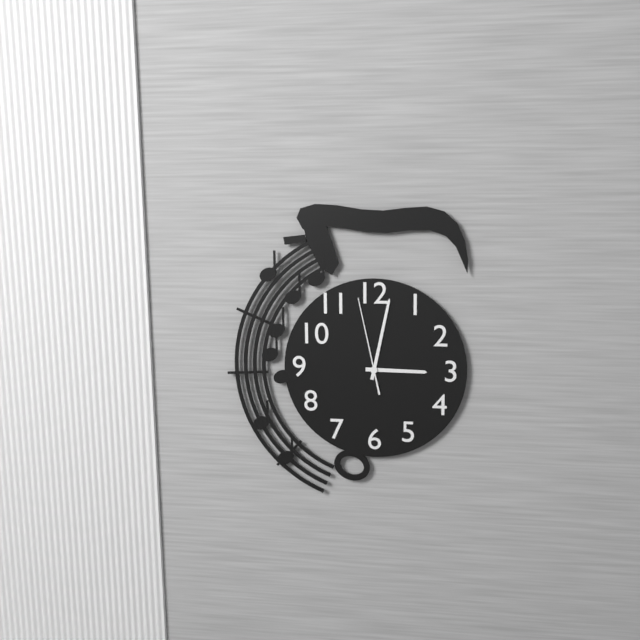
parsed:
3,02,58
